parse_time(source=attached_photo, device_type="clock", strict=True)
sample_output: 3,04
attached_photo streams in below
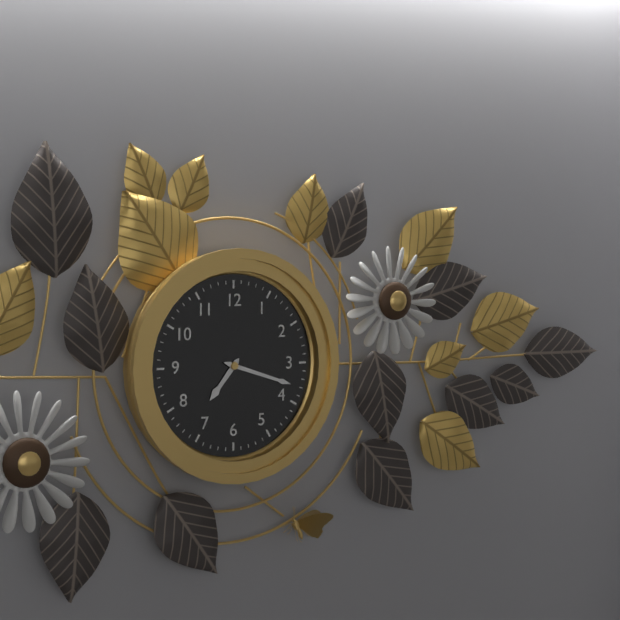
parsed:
7,18
